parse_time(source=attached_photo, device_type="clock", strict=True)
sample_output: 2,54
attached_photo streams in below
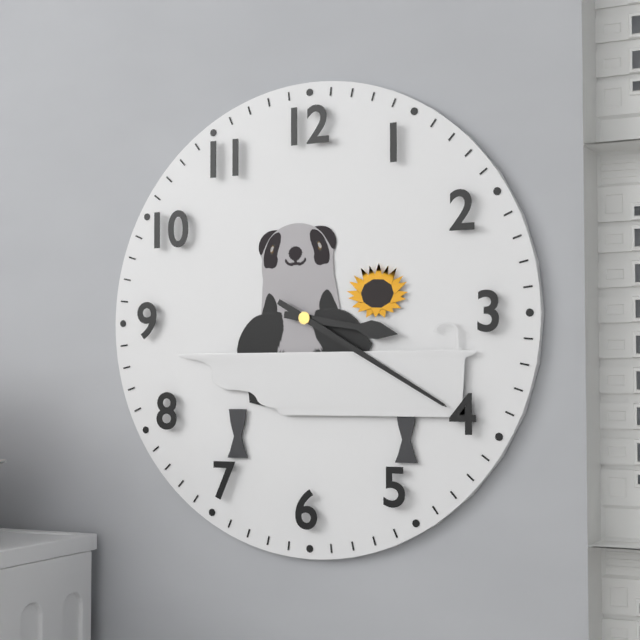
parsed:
3,20
